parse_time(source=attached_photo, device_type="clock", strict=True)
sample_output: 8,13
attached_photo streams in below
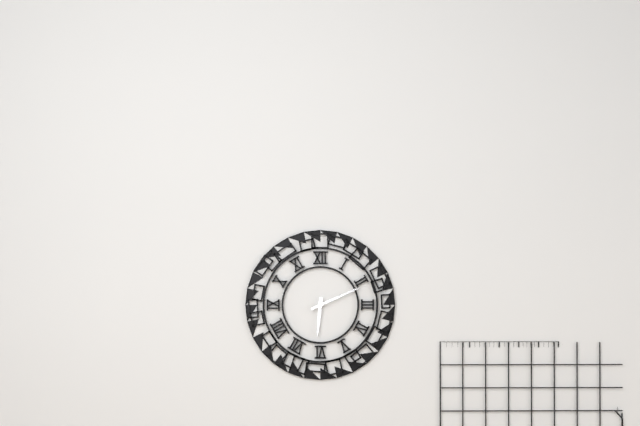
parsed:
6,11
